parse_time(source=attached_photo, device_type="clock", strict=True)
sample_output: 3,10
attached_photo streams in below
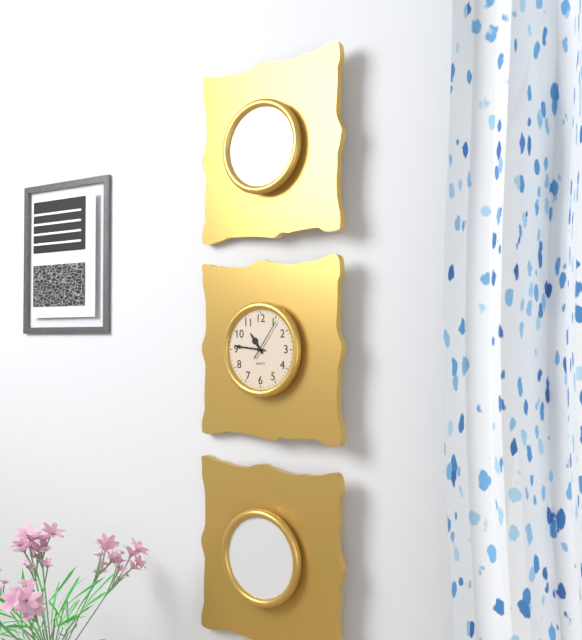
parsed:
10,46
